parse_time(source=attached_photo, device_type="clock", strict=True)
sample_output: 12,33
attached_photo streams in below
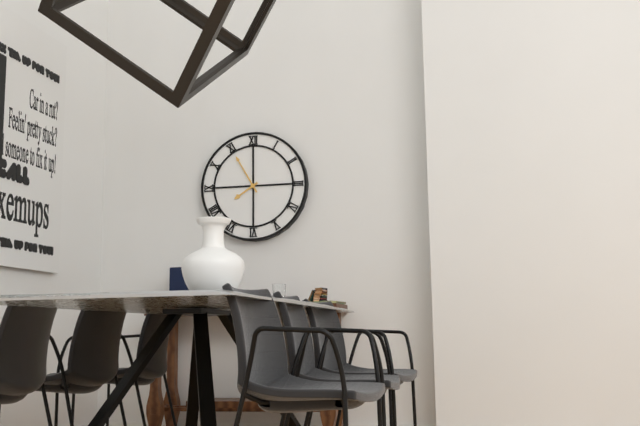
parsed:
7,55
